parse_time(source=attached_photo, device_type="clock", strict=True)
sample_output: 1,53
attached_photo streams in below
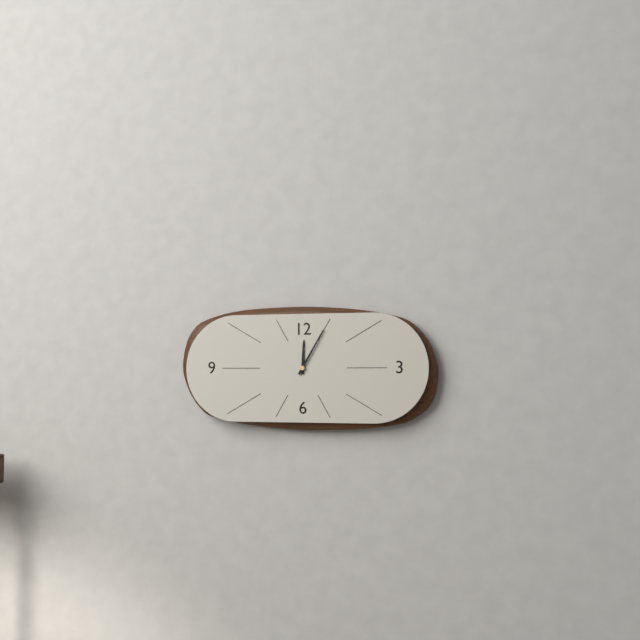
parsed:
12,05
